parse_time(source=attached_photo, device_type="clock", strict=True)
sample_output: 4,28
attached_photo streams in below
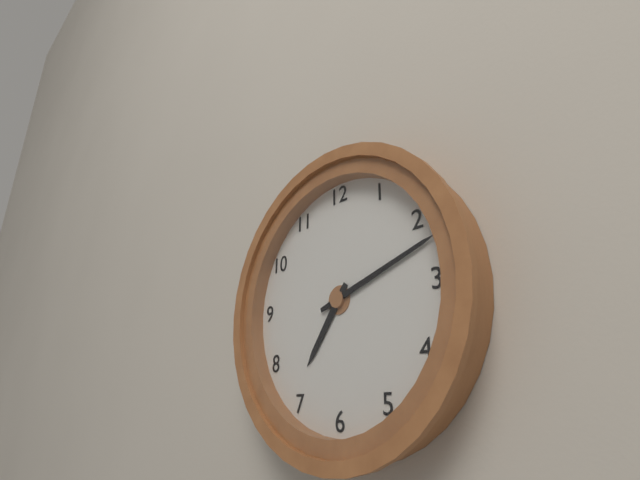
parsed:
7,12
